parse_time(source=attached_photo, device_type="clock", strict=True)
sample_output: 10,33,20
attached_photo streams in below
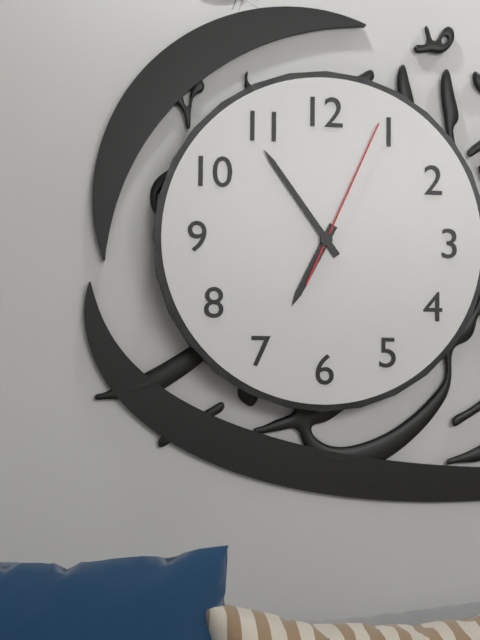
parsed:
6,54,04
